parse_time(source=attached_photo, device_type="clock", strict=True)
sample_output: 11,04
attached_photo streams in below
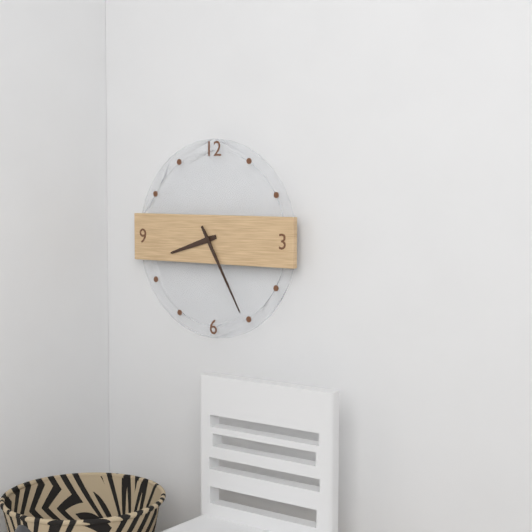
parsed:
8,25
